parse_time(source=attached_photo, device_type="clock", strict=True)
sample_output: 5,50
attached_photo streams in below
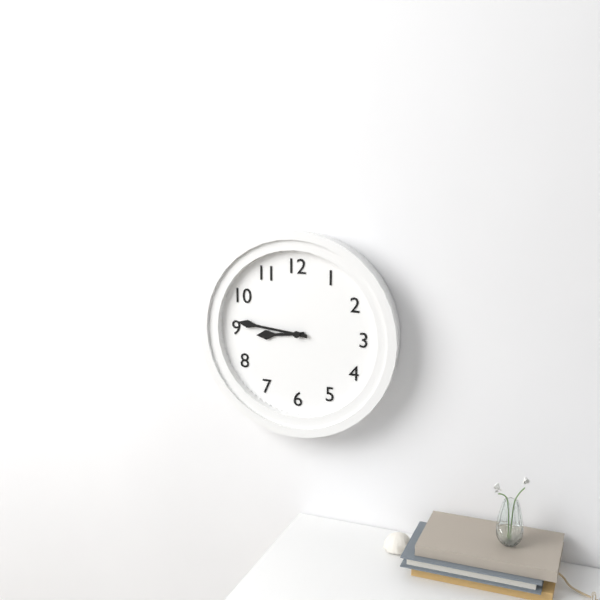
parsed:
8,46
